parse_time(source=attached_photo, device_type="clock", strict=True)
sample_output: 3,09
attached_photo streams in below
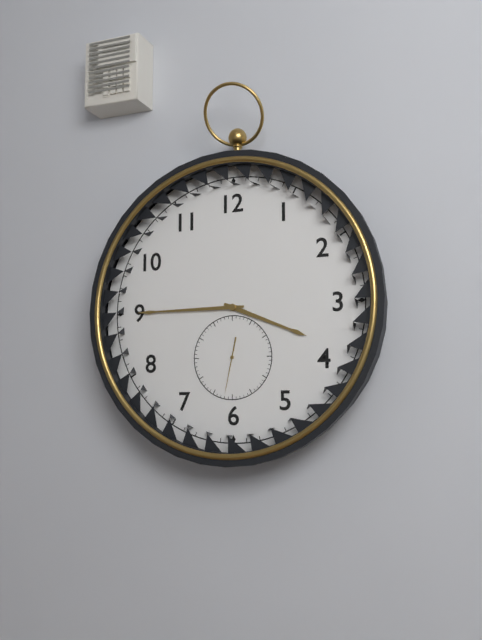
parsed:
3,45
